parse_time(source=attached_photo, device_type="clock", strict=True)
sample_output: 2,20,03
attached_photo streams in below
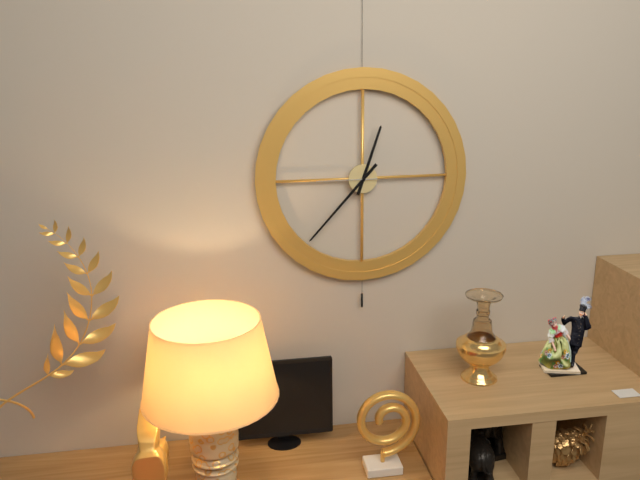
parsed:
12,37,45
